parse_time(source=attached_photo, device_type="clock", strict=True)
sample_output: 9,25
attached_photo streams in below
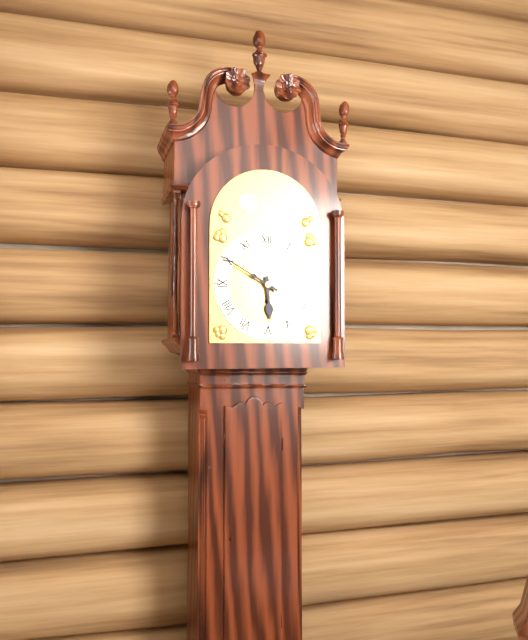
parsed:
5,50
